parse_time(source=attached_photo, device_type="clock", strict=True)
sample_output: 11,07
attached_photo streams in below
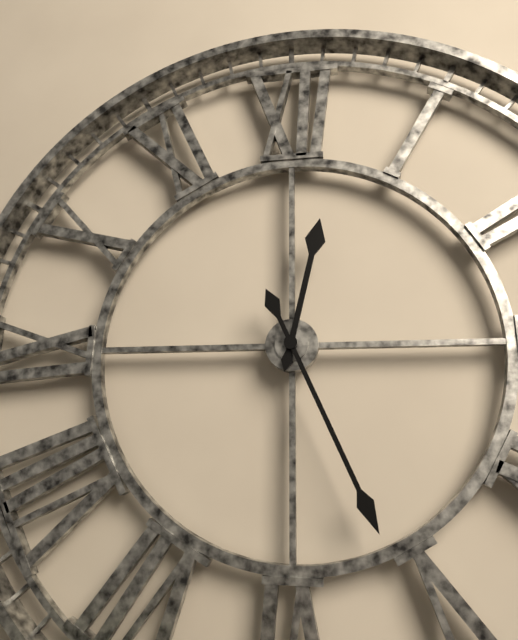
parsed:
12,26
